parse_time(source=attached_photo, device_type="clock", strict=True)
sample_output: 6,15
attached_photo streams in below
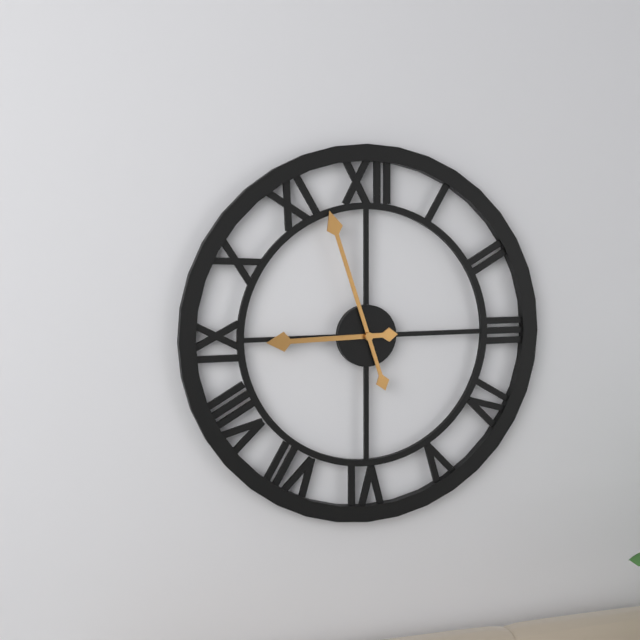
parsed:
8,57
